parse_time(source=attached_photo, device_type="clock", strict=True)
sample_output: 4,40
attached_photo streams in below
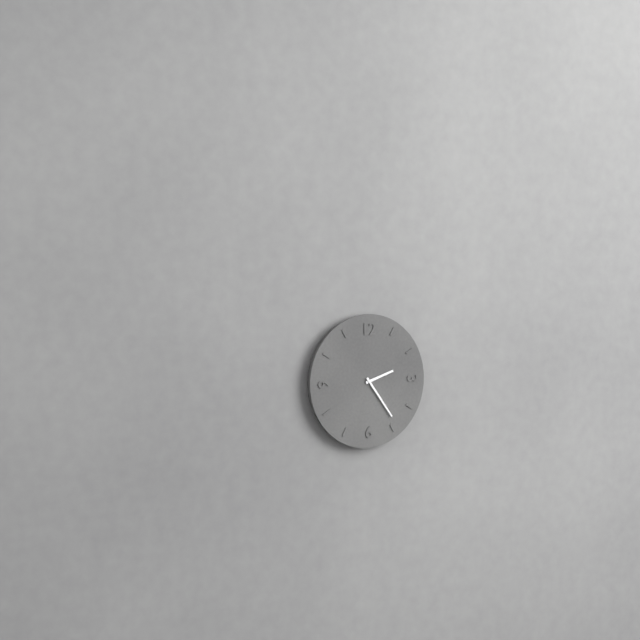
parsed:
2,24
